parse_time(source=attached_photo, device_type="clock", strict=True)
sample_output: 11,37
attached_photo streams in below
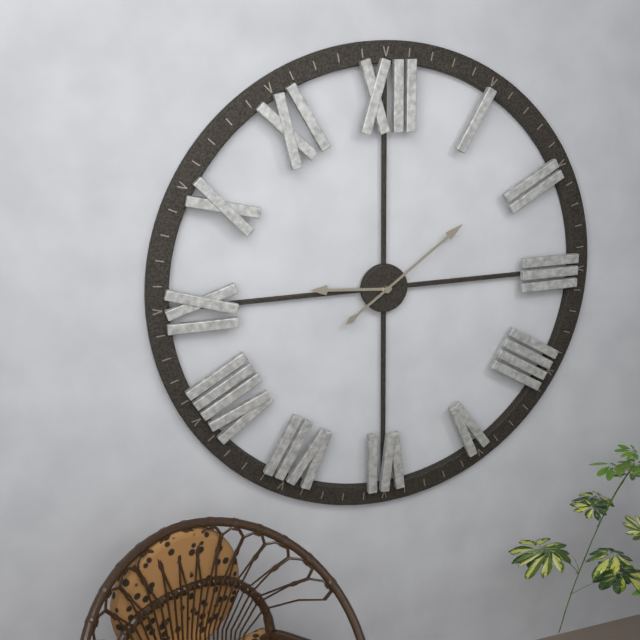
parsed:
9,09
